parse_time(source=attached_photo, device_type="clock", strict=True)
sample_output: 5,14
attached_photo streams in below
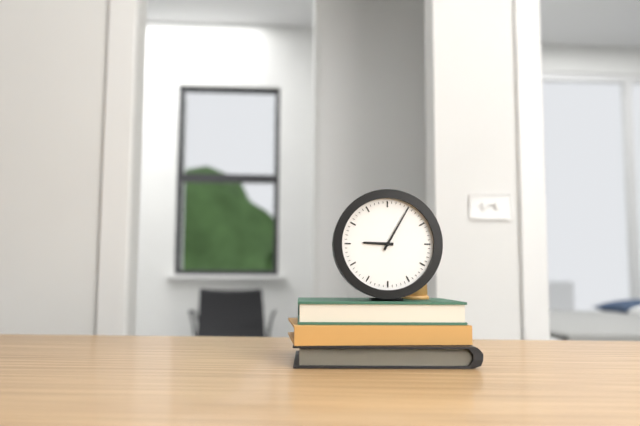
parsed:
9,05
